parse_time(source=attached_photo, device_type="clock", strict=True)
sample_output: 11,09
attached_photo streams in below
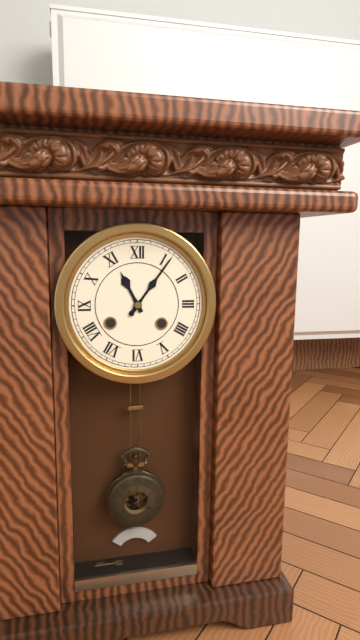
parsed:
11,06
